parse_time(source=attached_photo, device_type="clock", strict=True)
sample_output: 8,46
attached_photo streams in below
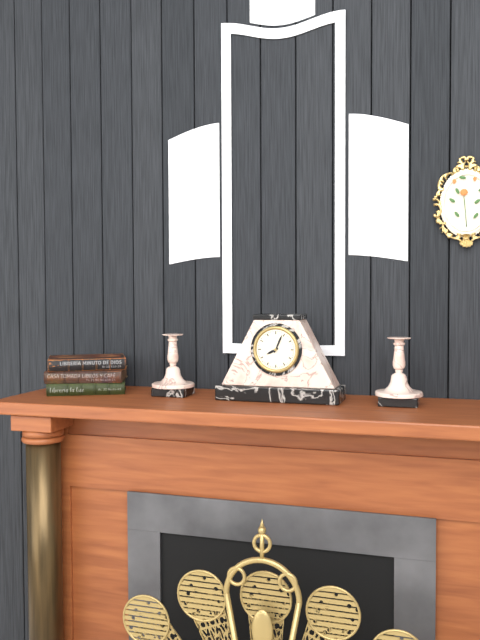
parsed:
8,04
